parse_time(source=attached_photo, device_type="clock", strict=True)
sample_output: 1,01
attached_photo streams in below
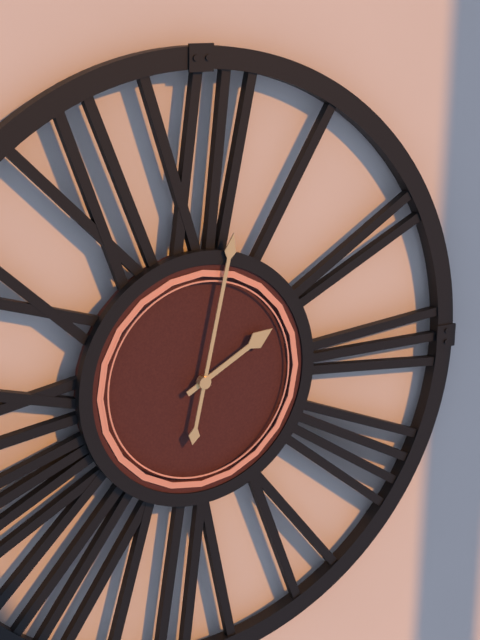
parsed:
2,02
